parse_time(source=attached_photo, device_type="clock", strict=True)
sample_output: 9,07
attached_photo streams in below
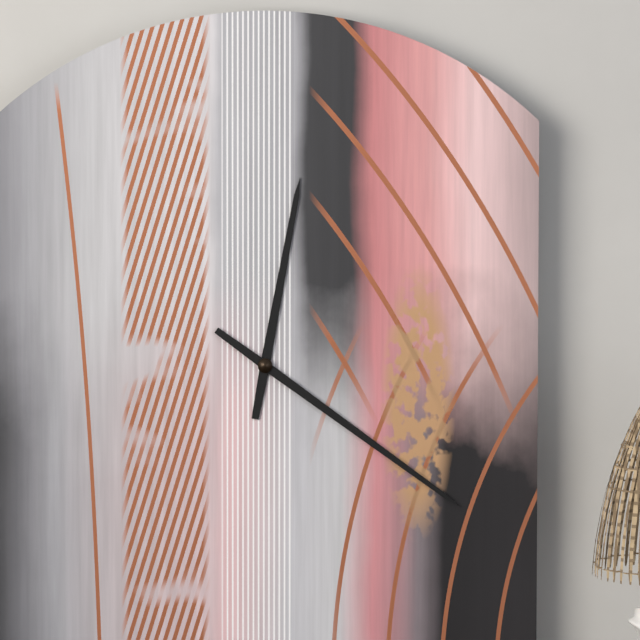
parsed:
12,21
